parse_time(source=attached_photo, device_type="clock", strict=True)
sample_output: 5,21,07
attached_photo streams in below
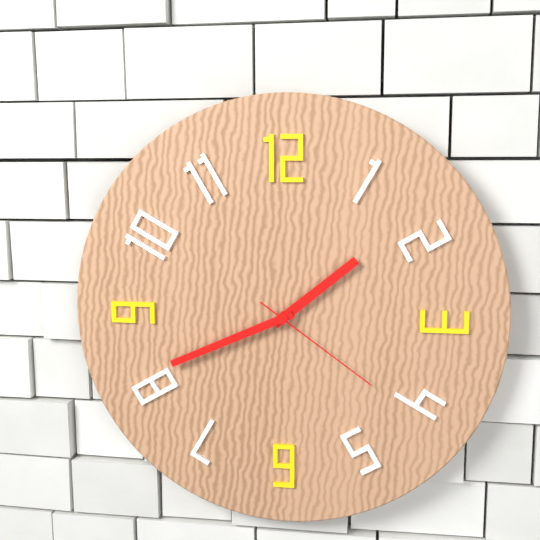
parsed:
1,41,21
